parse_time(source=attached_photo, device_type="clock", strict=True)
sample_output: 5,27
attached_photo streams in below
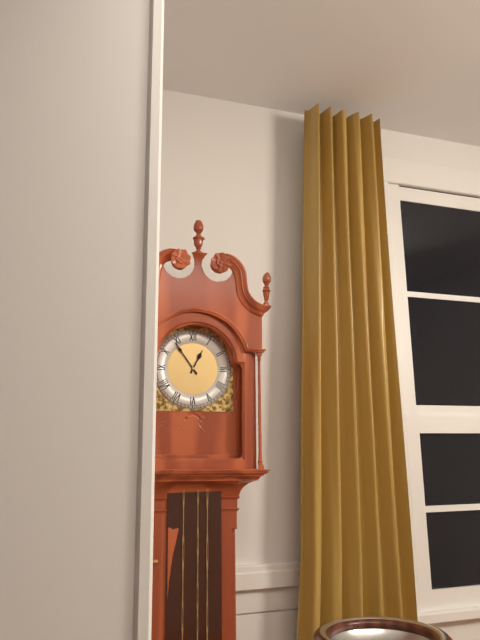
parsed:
12,54
